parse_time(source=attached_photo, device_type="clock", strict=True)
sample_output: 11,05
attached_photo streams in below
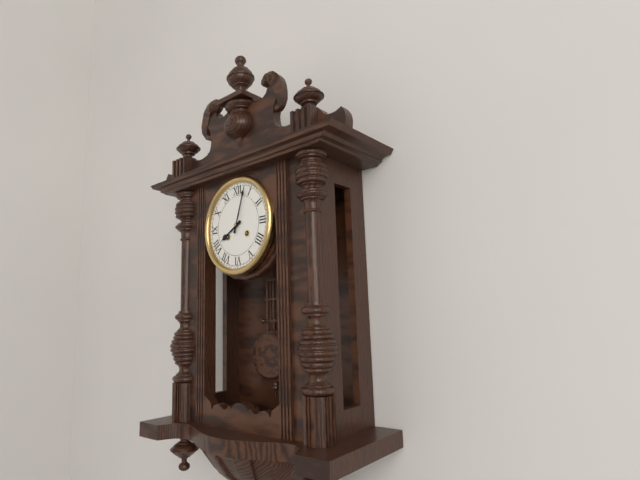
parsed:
8,03
